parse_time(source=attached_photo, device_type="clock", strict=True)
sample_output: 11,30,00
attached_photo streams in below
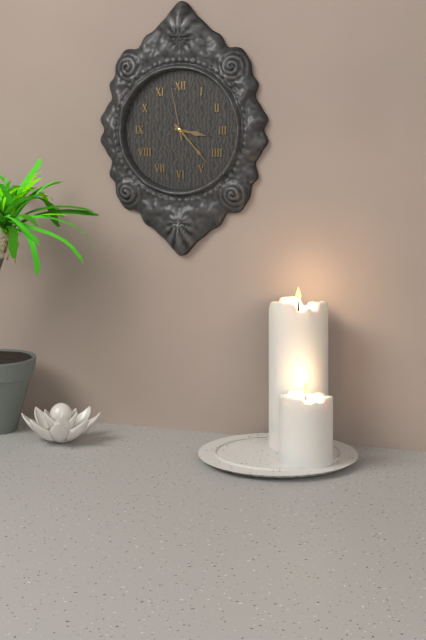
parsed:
3,23,58
